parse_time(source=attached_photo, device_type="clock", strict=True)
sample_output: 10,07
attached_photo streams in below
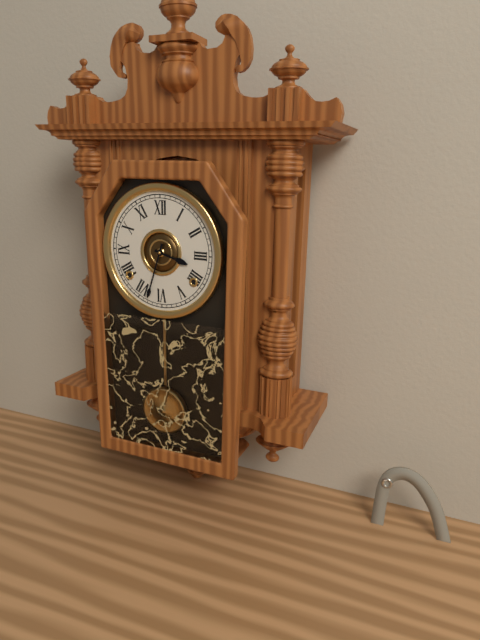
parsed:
3,33
